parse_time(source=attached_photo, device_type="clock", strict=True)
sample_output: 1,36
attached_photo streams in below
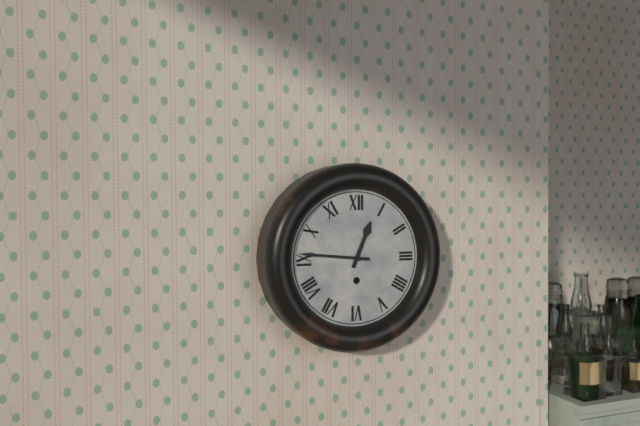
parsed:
12,46
